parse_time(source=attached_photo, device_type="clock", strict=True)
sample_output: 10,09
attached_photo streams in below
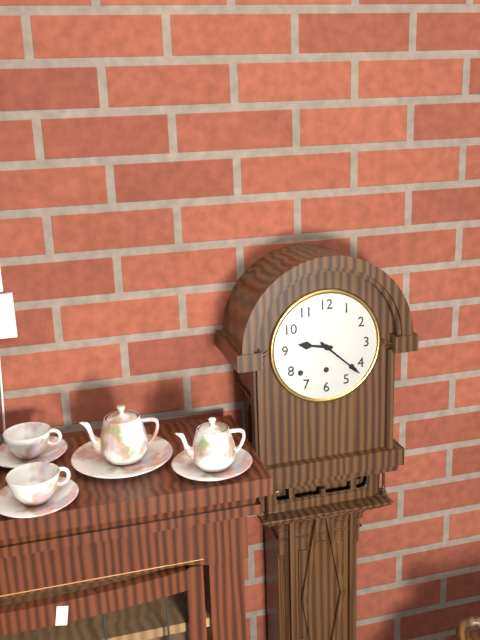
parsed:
9,22
